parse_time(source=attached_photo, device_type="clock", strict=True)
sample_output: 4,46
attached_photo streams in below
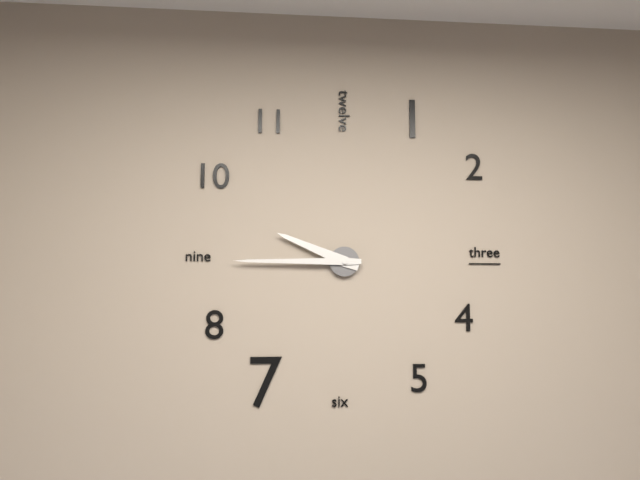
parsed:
9,45
